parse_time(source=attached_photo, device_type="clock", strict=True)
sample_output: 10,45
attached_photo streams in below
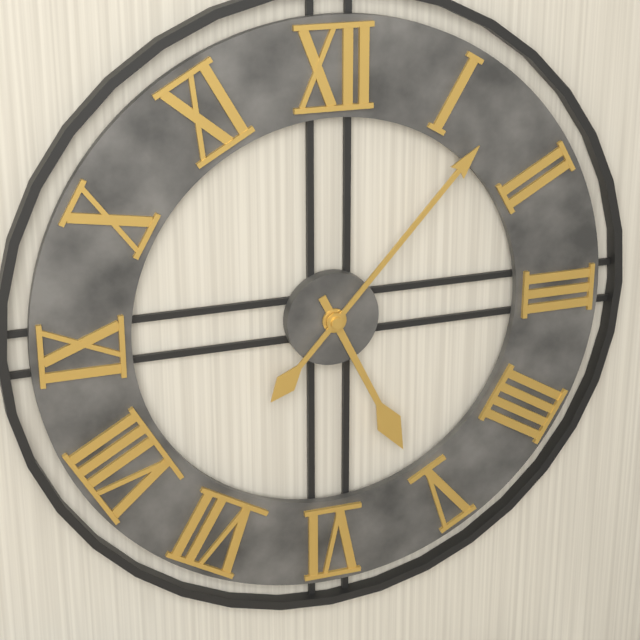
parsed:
5,07
